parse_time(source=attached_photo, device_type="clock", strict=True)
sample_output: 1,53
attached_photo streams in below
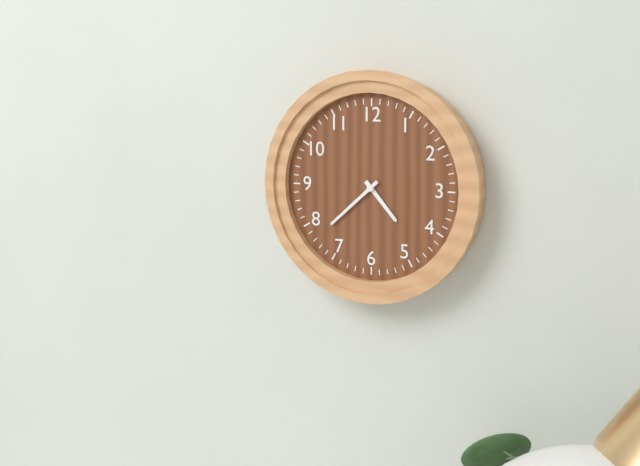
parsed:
4,38
